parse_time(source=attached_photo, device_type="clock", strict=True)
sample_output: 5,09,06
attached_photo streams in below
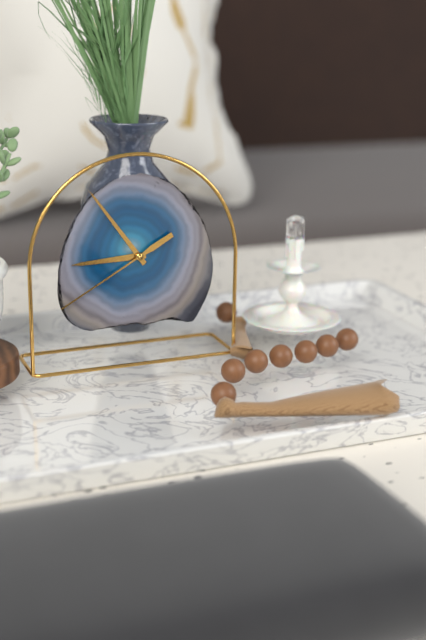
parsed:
8,54,40
